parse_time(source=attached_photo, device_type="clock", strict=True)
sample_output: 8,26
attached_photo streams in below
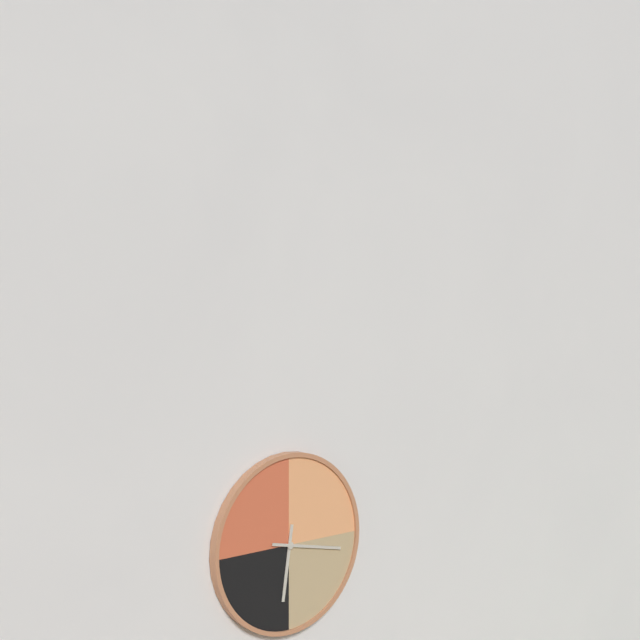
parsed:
6,17
